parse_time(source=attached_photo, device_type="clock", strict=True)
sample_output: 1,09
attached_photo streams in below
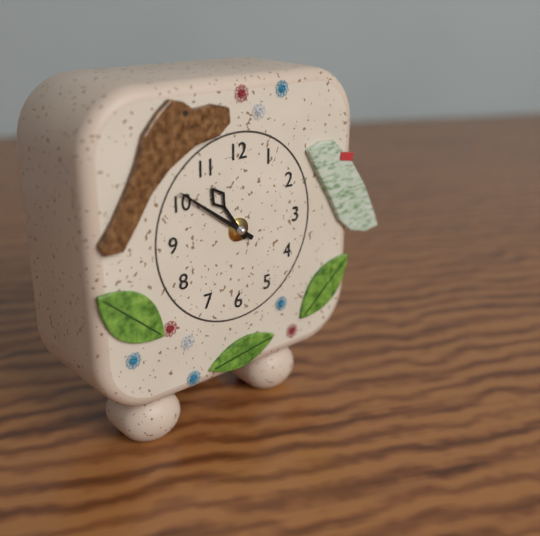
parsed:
10,51
